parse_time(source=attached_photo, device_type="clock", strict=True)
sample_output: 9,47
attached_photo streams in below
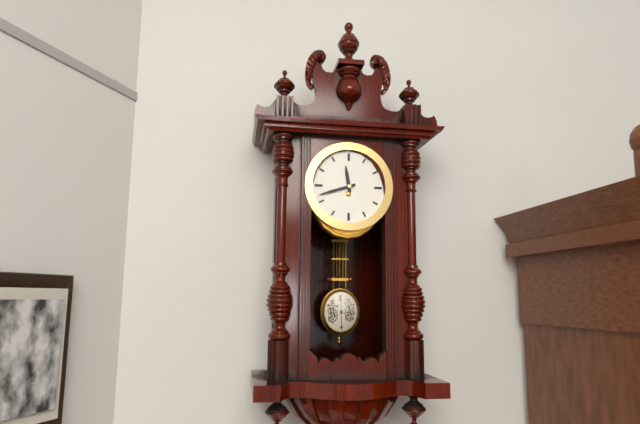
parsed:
11,42
